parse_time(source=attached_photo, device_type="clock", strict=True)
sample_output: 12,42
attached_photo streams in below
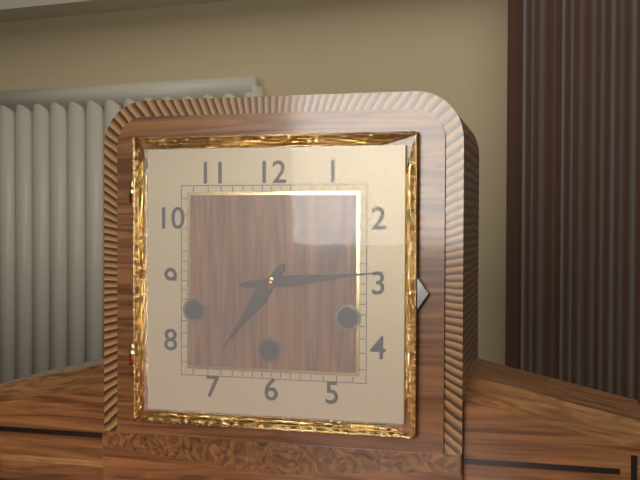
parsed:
7,14
